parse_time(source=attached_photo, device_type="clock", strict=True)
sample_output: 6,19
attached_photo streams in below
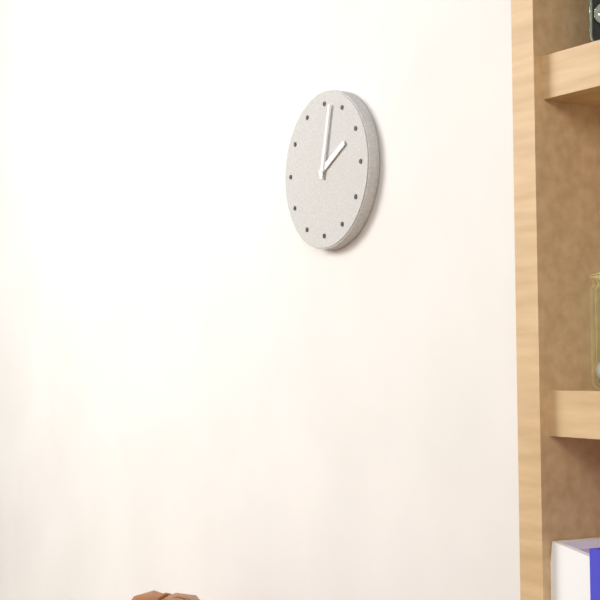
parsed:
2,02
